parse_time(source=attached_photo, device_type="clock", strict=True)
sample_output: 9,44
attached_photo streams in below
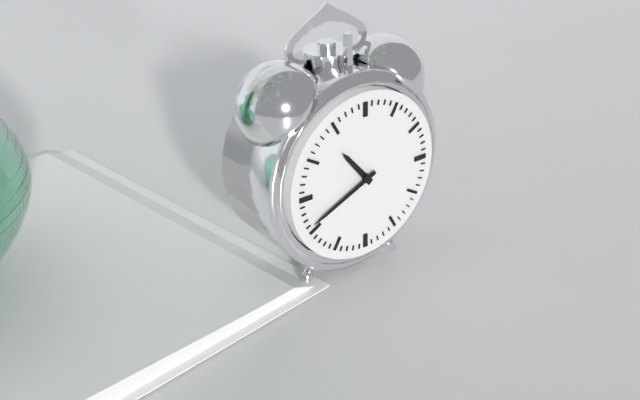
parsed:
10,41
